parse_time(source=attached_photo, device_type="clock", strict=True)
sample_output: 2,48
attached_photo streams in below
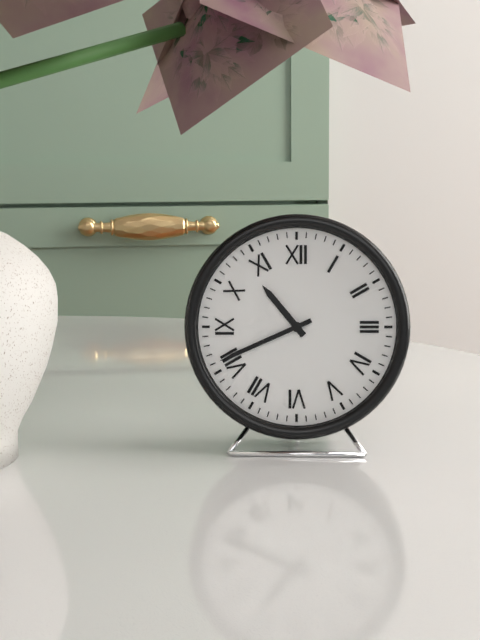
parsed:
10,41
